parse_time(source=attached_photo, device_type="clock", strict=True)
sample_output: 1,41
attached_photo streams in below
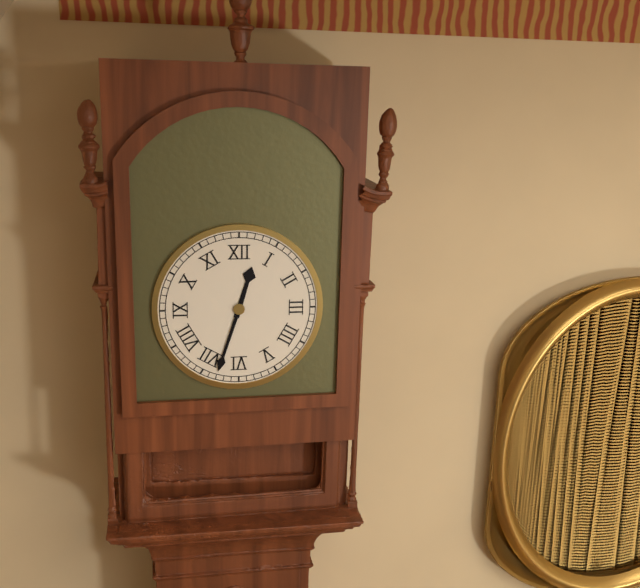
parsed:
12,33
